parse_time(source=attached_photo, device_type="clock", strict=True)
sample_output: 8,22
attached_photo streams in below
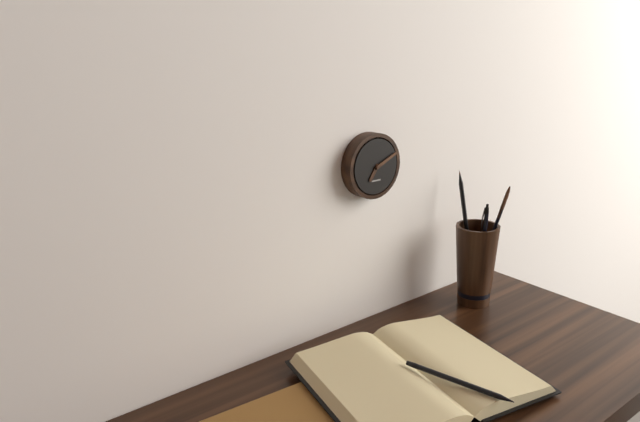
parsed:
7,11
